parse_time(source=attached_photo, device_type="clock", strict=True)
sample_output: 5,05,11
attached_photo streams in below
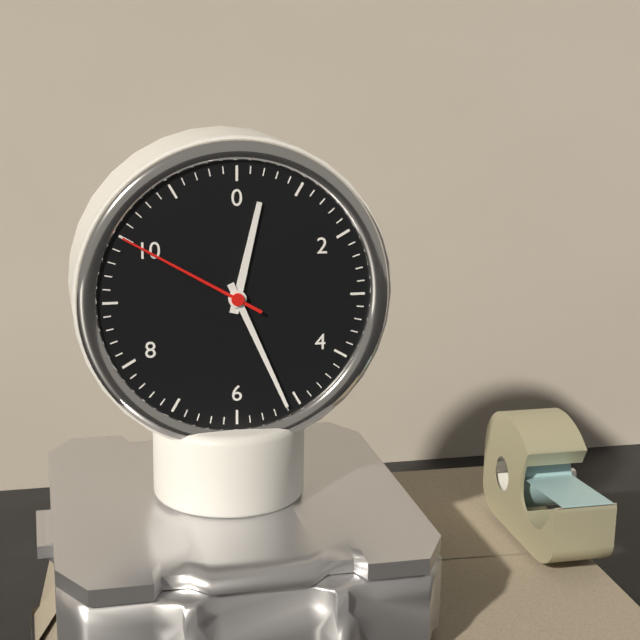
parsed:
12,26,50
